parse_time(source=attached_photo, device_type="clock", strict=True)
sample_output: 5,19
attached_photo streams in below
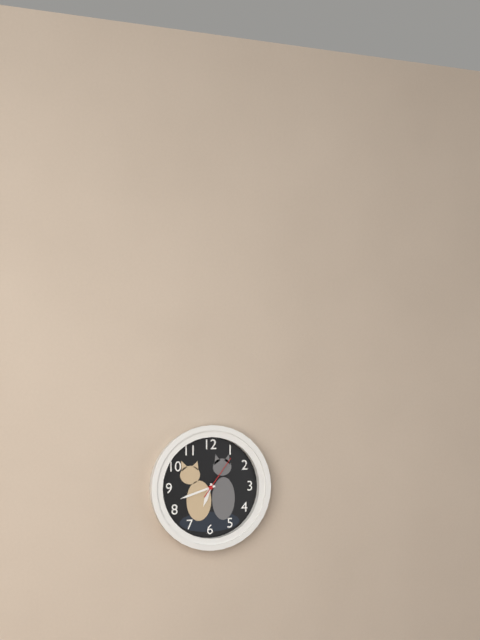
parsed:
6,42
